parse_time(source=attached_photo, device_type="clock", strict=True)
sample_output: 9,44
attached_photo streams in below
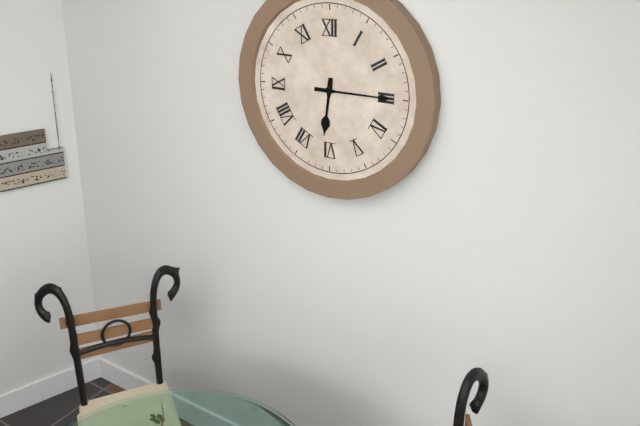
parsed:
6,15
